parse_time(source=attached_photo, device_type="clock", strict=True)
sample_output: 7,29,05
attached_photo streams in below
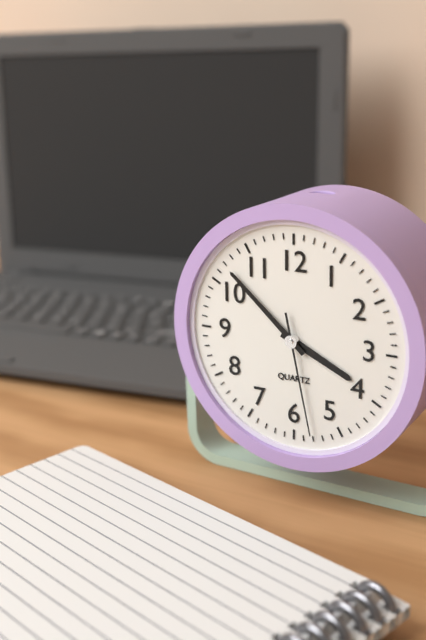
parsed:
3,52,28
